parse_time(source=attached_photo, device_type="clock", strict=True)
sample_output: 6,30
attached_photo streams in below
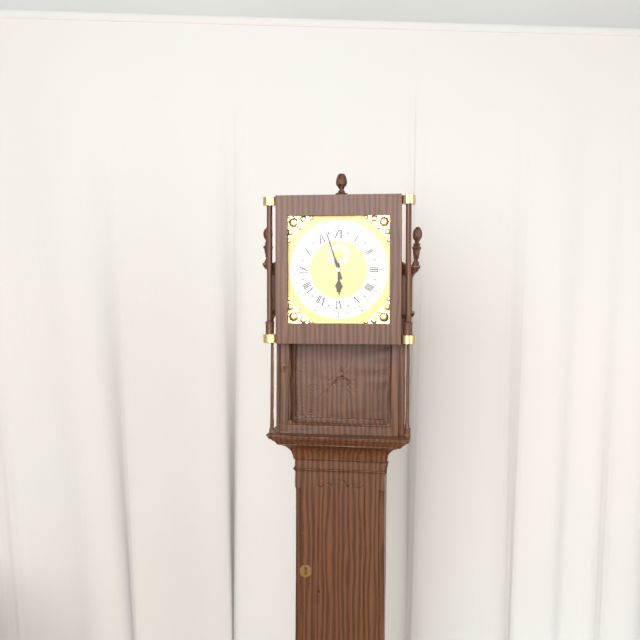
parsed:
5,57
